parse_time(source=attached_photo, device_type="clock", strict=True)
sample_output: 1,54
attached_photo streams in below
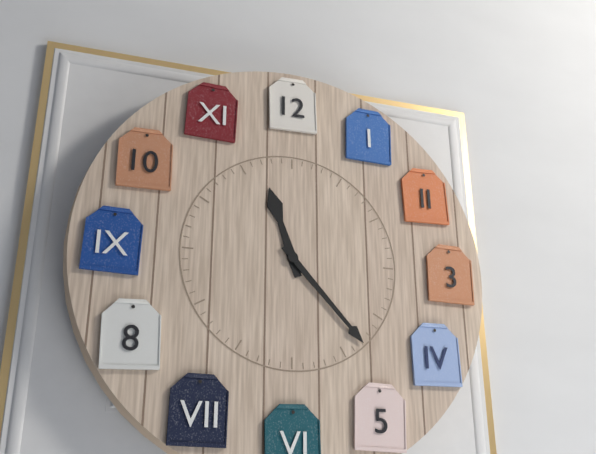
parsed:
11,23
